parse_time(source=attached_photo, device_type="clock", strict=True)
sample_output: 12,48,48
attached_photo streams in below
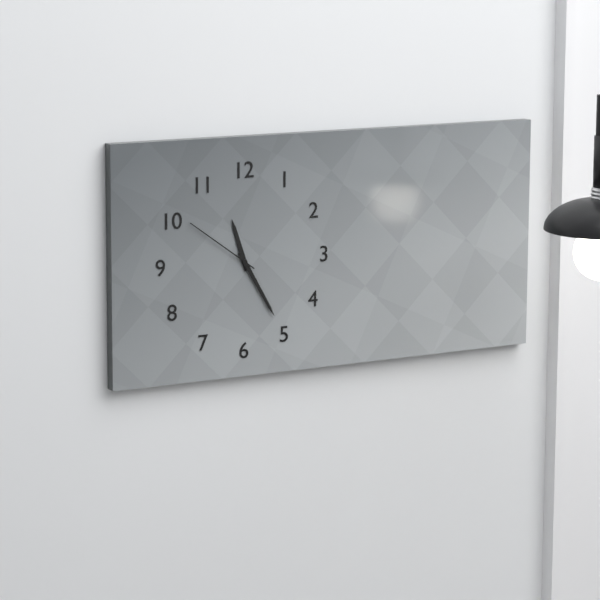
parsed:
11,25,51
